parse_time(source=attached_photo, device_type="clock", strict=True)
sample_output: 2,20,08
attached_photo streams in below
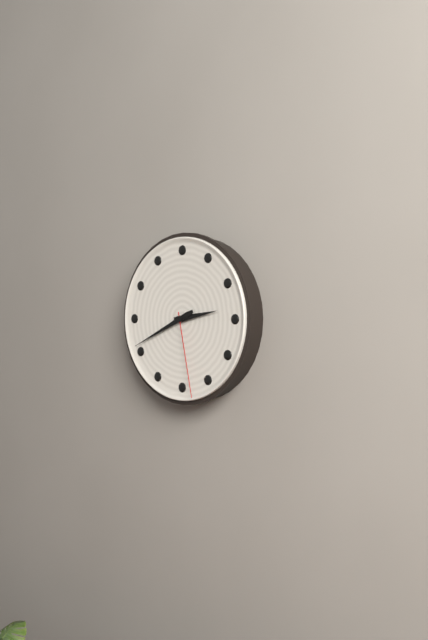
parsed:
2,41,28
